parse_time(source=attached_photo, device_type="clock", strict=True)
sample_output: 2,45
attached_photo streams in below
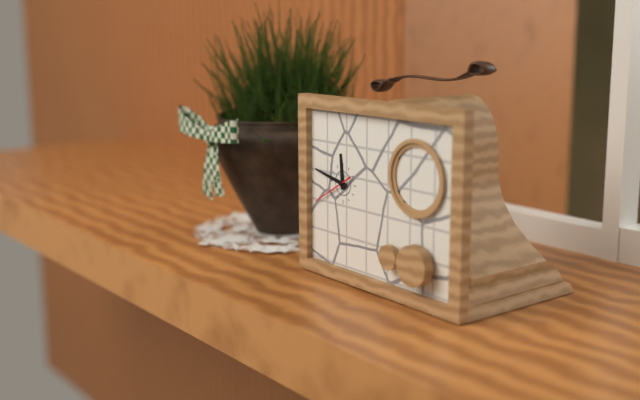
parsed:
11,47
